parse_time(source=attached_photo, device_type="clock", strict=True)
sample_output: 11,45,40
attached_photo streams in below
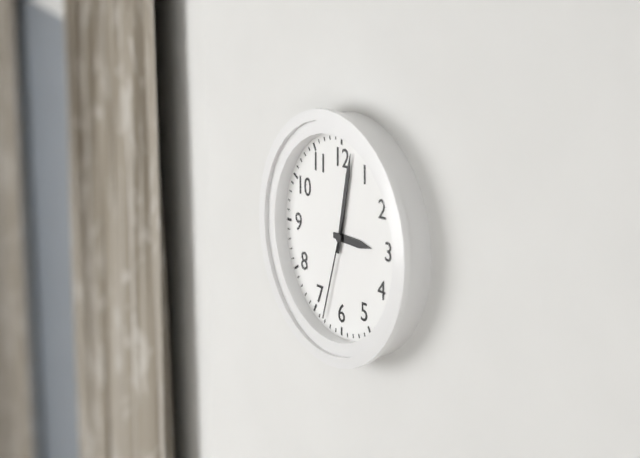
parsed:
3,02,33
